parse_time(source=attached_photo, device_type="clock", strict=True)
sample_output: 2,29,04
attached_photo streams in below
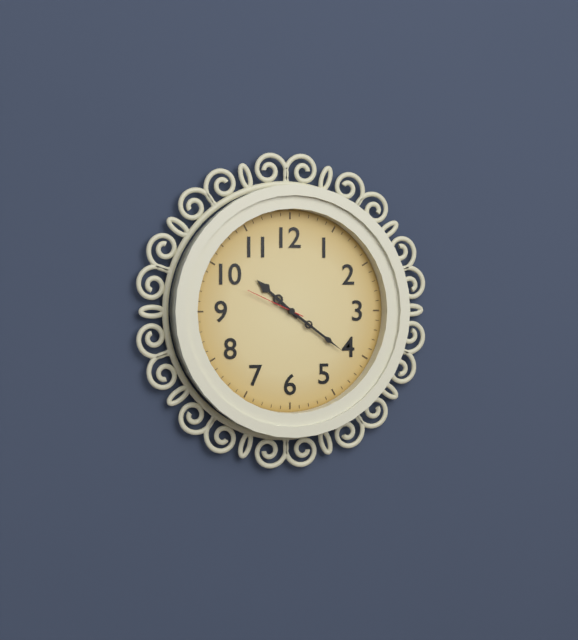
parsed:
10,21,49
